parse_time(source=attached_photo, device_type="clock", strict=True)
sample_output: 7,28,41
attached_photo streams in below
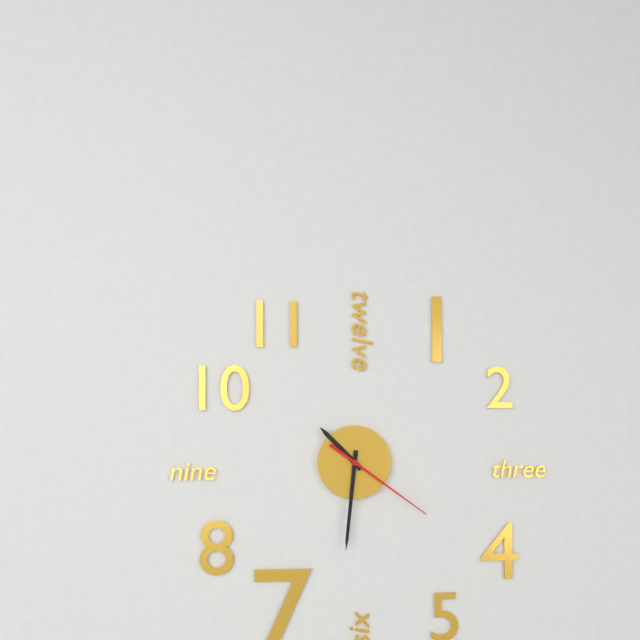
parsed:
10,31,21
